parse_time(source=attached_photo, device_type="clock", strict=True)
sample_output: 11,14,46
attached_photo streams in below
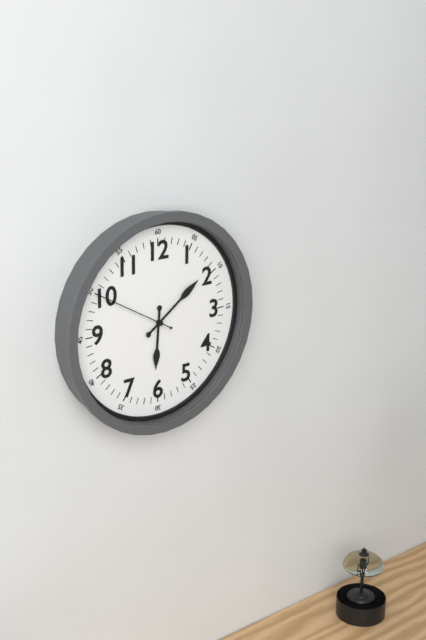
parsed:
6,09,50
